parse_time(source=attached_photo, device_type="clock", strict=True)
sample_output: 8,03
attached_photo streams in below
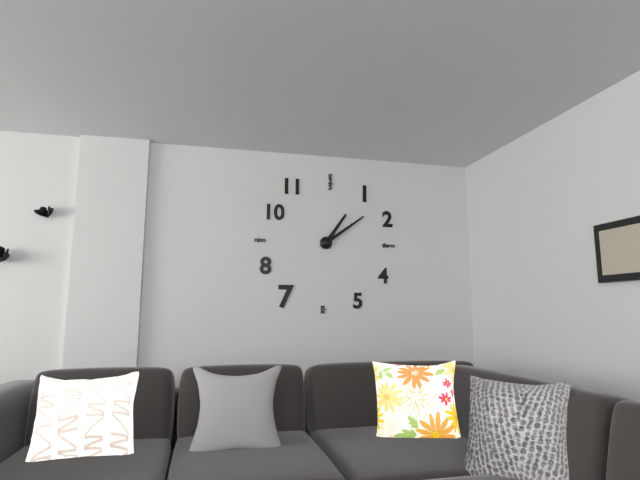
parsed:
1,09
